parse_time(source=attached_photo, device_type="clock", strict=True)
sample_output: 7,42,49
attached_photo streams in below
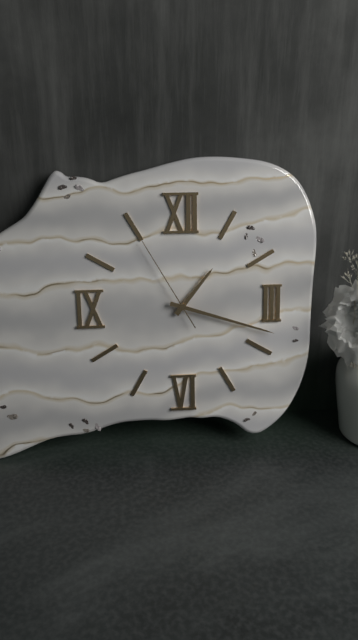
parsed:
1,18,55
